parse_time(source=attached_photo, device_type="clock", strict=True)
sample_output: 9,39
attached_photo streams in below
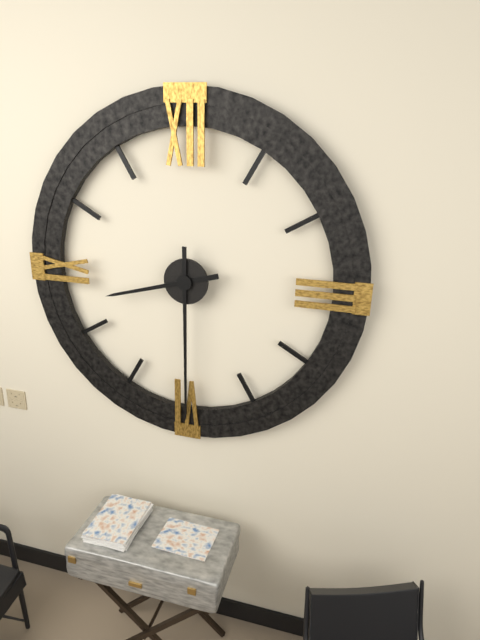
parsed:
8,30
